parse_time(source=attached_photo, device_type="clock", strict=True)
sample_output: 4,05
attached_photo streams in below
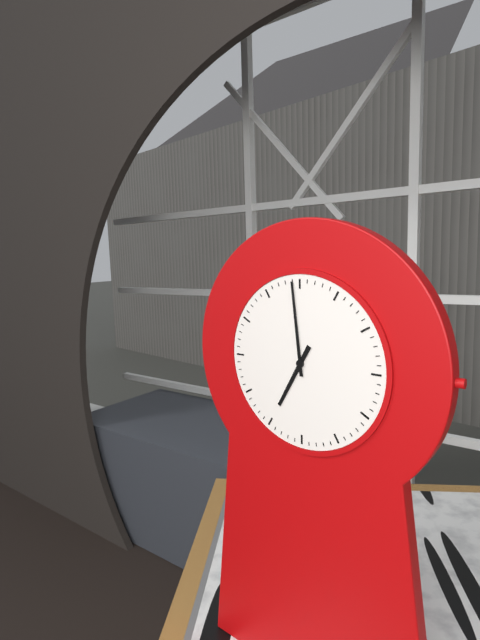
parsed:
6,59
